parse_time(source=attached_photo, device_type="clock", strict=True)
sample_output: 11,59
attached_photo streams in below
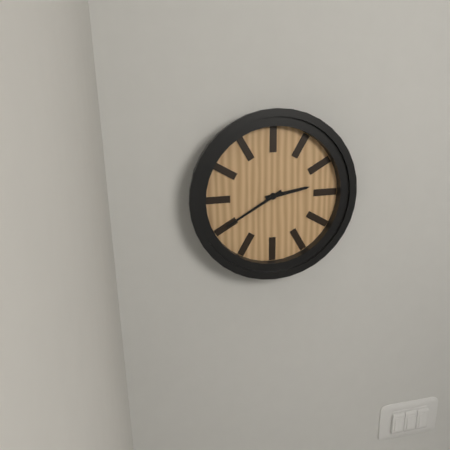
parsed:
2,40
